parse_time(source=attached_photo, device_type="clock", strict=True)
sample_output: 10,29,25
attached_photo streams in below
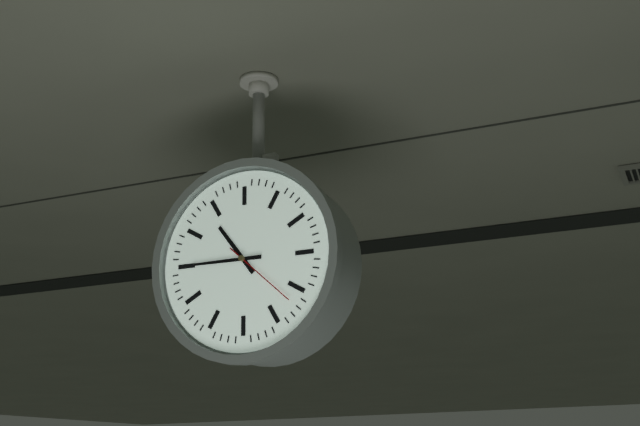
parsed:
10,45,22
